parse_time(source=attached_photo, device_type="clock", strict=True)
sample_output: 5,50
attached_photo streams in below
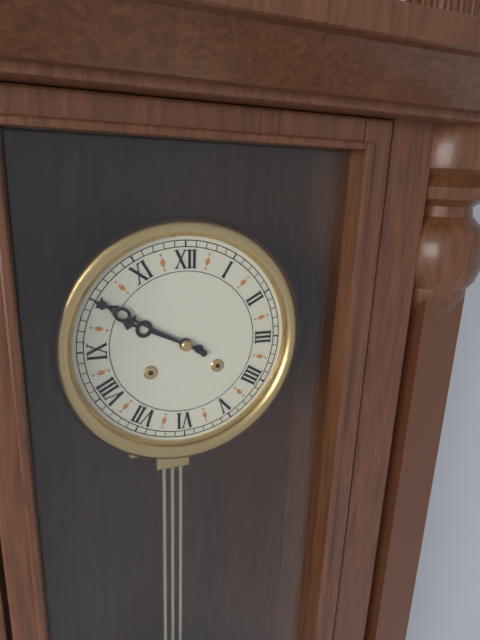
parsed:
9,50
